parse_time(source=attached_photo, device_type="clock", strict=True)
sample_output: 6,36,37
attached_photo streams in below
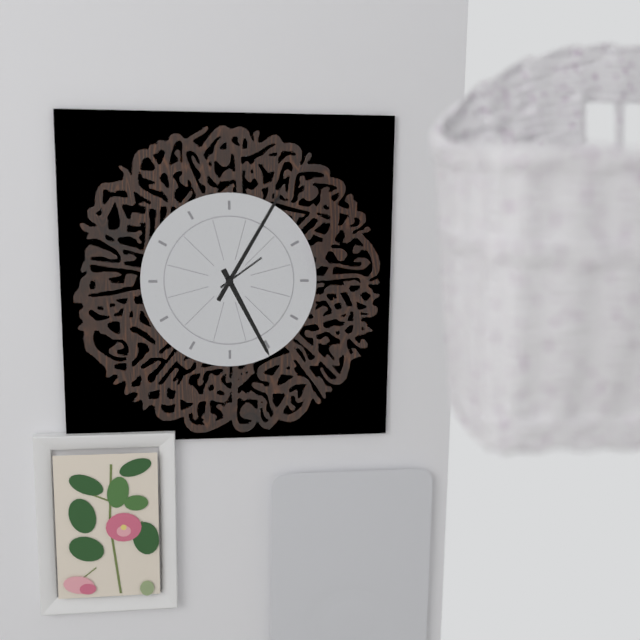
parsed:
5,05,09
